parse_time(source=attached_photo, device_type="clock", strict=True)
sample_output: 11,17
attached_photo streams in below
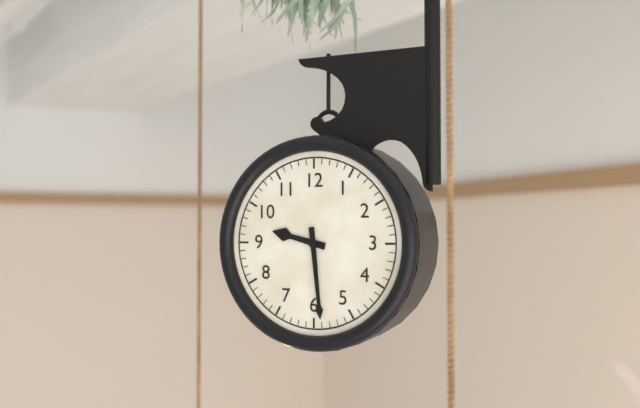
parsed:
9,29
